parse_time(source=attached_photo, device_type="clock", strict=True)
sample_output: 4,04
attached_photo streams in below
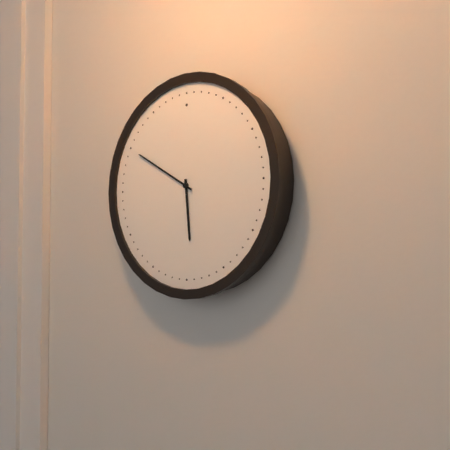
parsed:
5,50
